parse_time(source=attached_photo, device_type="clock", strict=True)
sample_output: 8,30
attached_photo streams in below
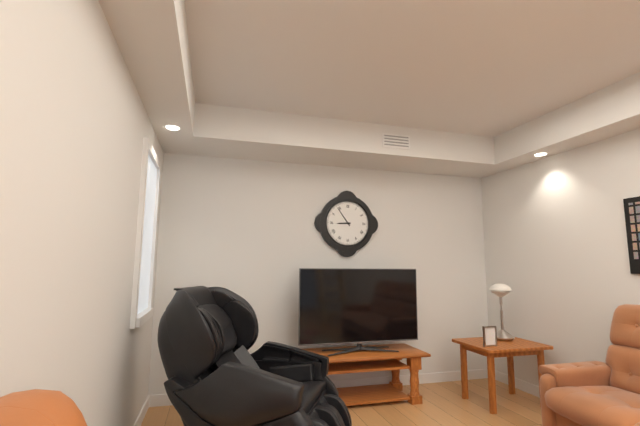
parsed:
8,54
